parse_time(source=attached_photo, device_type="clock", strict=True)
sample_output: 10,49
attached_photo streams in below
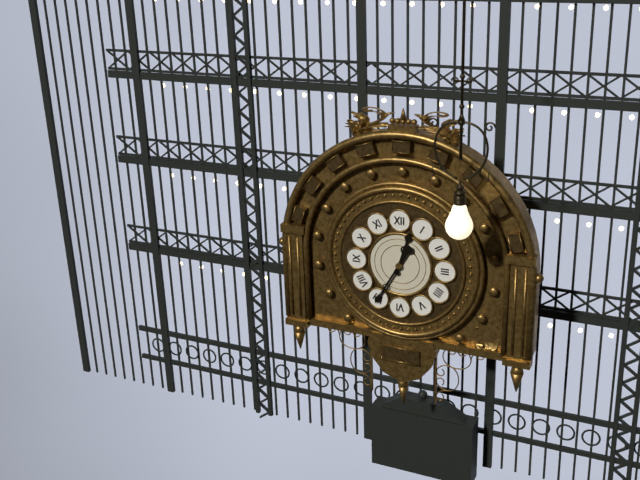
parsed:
12,35
